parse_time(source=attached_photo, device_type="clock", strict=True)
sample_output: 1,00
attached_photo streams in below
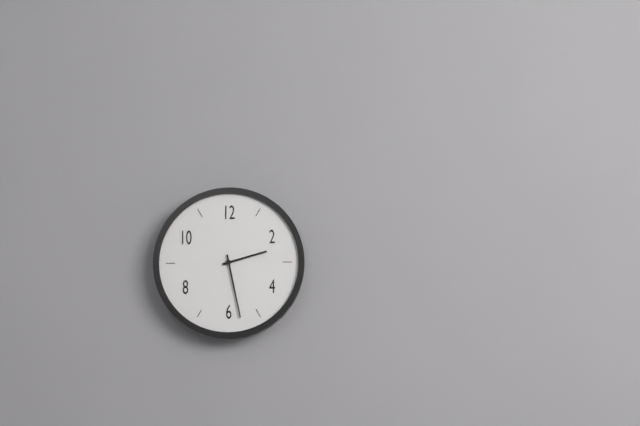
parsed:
2,28
